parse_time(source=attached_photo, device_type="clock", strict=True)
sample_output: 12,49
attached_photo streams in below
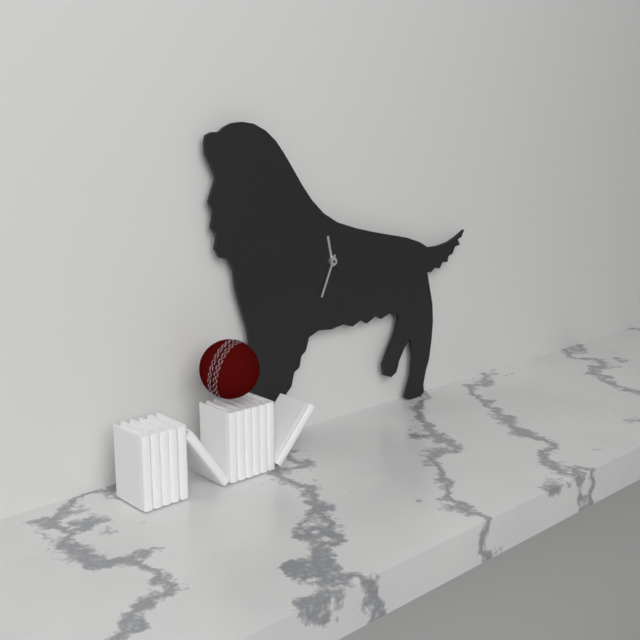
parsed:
11,34
